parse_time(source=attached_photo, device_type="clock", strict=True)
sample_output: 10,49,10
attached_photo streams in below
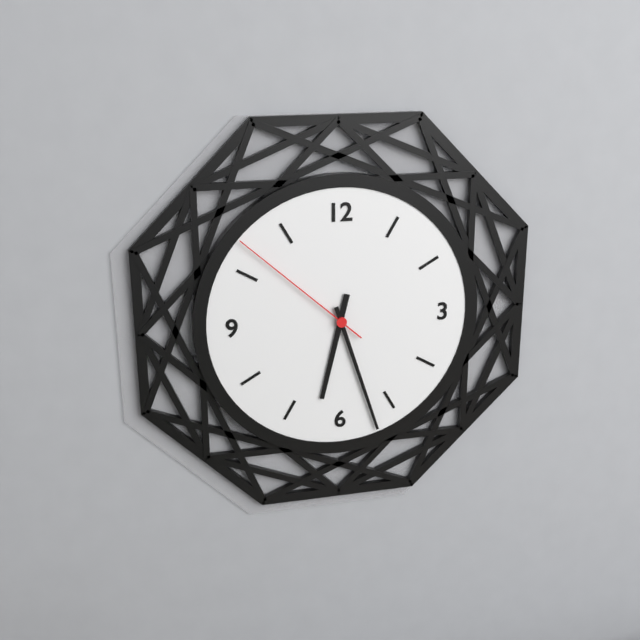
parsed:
6,27,52
